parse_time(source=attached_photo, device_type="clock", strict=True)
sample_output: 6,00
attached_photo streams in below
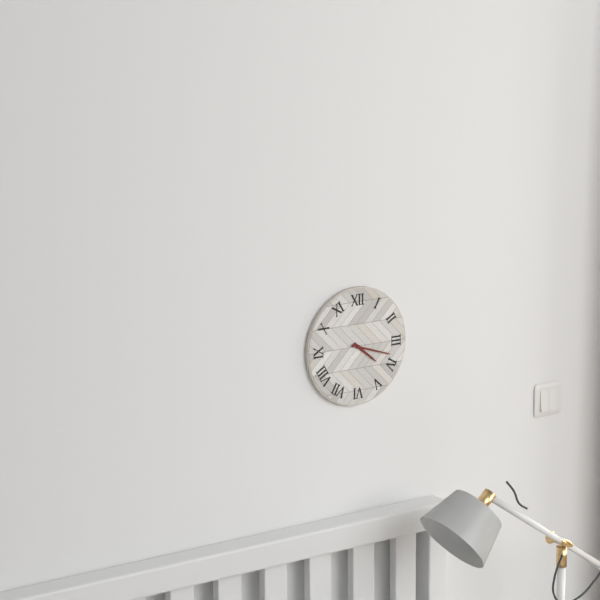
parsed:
4,18
